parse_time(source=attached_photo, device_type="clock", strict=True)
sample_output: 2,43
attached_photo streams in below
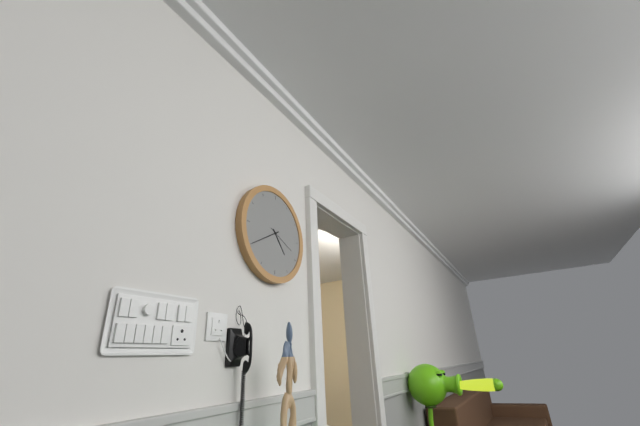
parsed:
4,40
